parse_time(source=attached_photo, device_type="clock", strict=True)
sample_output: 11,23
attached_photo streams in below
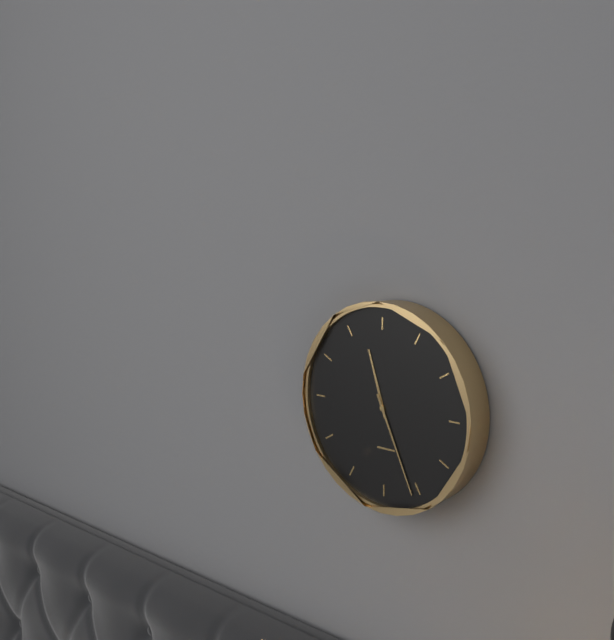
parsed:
11,26
